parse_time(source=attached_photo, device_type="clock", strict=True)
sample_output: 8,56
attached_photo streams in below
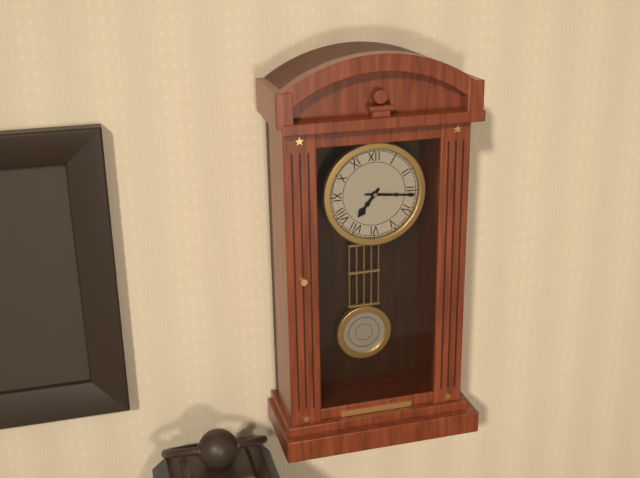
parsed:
7,16
